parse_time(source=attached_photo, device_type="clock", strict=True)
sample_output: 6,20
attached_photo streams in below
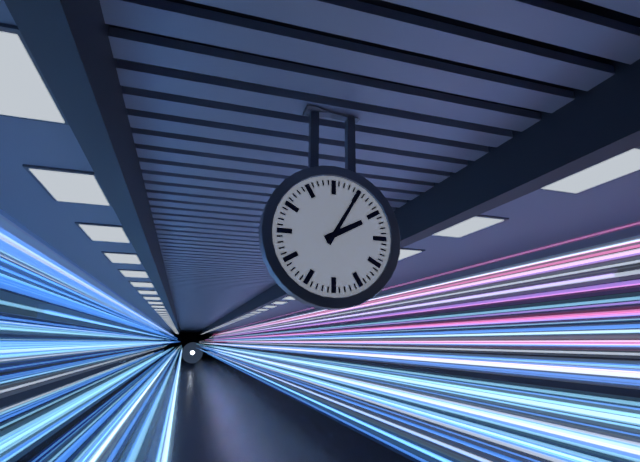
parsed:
2,05
